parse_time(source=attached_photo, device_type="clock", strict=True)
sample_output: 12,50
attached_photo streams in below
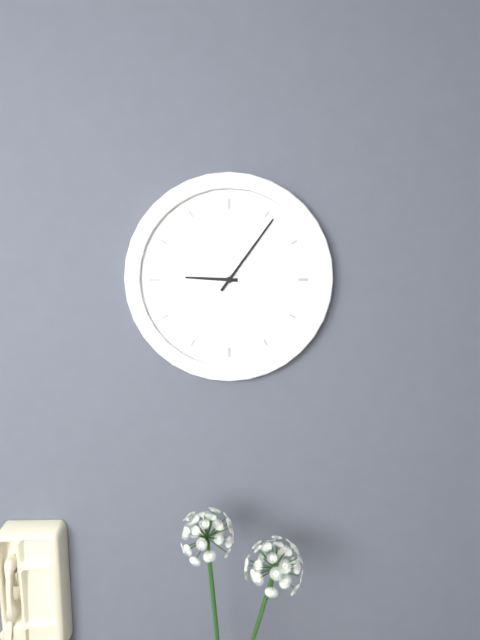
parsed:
9,06
